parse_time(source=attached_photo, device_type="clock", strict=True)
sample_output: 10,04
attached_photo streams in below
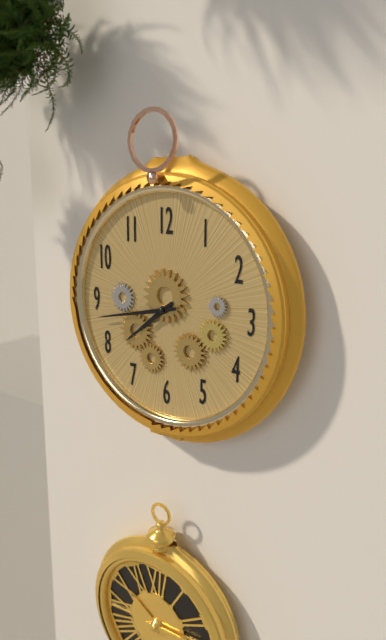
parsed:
7,43
